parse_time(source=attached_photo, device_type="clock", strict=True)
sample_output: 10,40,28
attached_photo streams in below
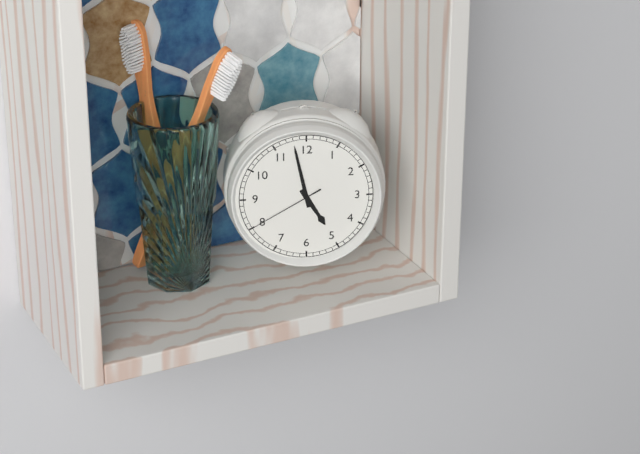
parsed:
4,58,40
